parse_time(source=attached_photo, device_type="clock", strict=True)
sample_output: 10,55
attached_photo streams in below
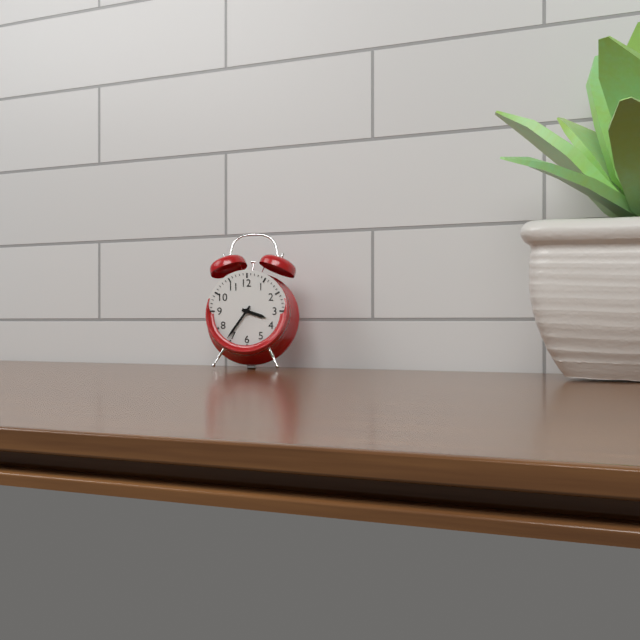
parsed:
3,36
